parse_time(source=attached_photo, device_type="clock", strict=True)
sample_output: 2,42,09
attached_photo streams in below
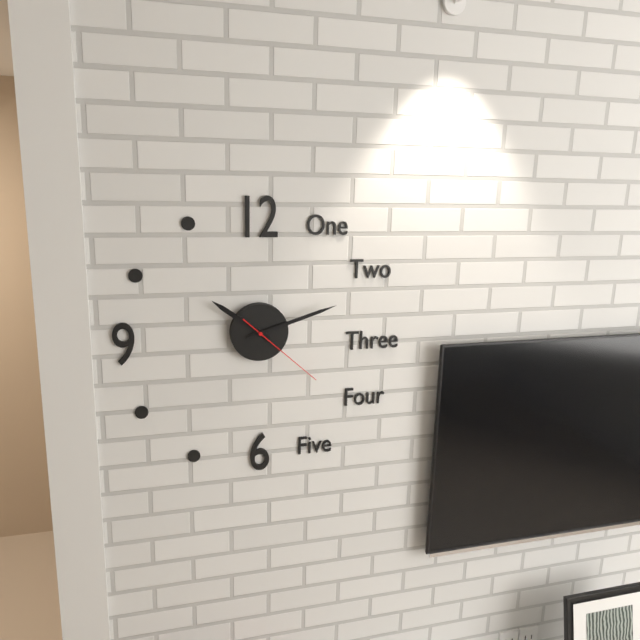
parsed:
10,12,22
